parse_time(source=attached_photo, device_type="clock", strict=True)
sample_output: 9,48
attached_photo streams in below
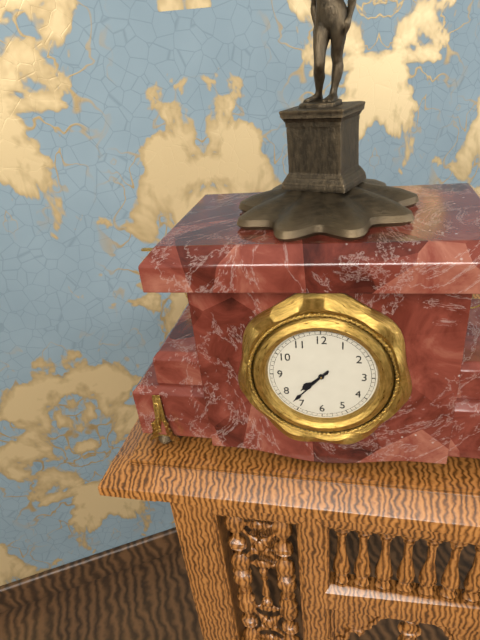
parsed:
7,37
